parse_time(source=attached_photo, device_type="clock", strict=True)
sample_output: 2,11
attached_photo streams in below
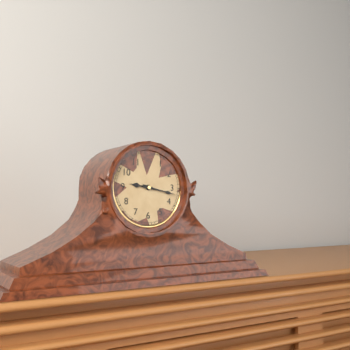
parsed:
9,17
